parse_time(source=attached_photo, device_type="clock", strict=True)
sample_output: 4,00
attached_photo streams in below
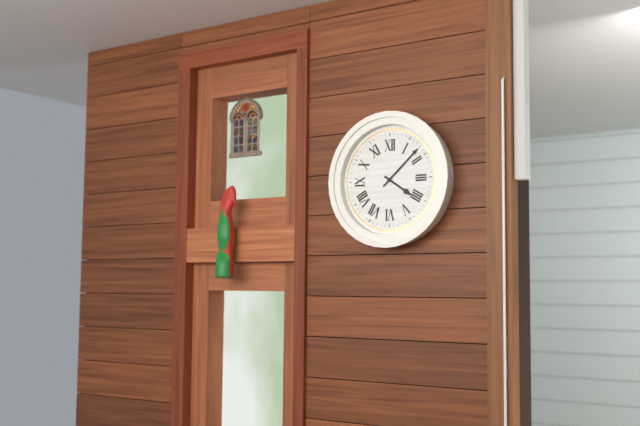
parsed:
4,08
